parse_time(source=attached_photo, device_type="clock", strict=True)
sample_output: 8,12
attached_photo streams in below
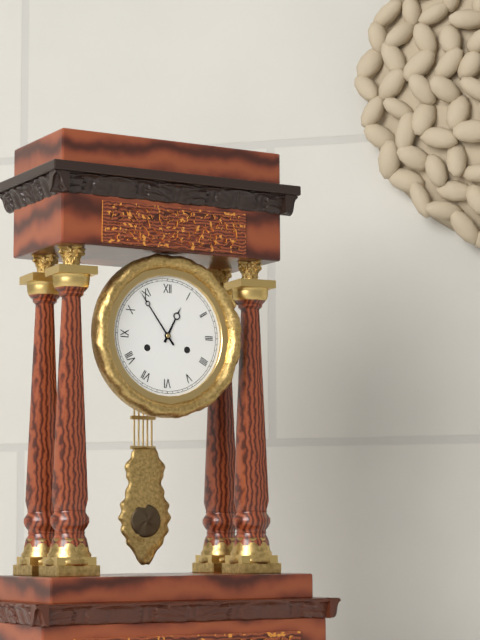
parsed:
12,54
